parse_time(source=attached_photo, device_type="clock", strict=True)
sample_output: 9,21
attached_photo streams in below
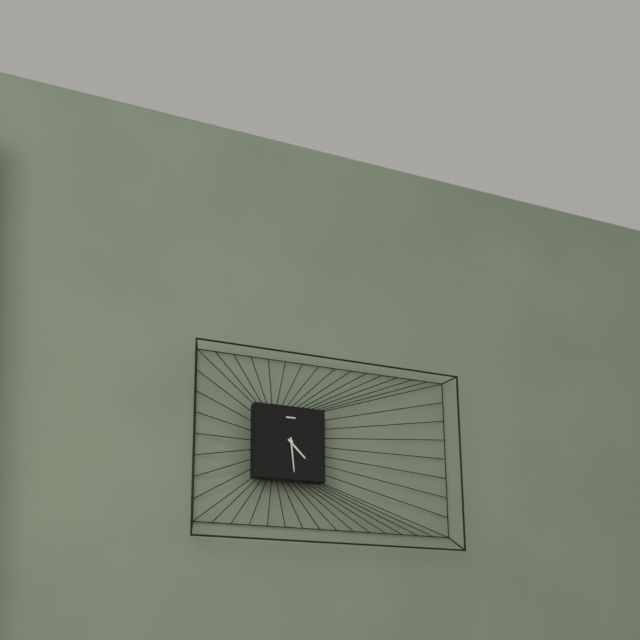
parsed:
4,29
